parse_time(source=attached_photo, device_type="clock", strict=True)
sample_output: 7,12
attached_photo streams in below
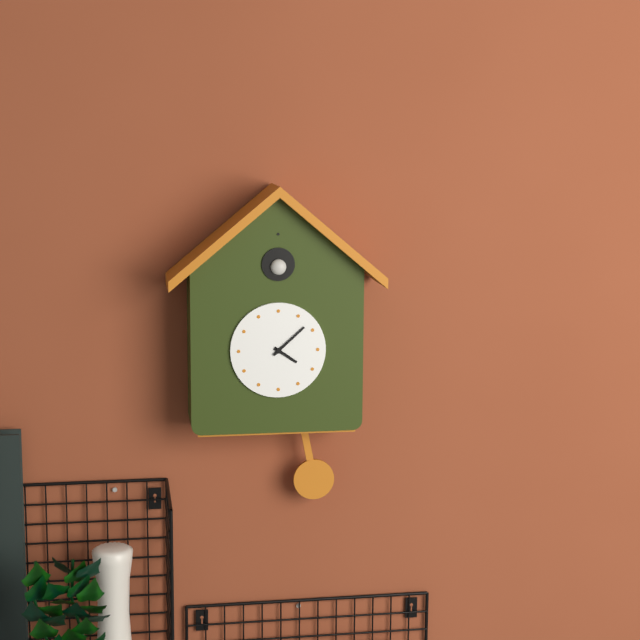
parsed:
4,08
